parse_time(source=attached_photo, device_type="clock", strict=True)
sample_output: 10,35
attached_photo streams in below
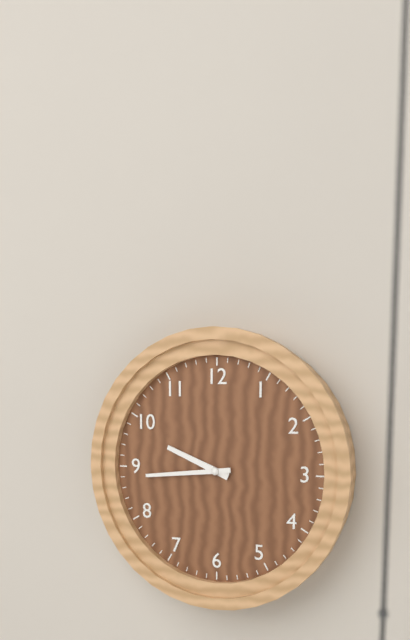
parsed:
9,44
